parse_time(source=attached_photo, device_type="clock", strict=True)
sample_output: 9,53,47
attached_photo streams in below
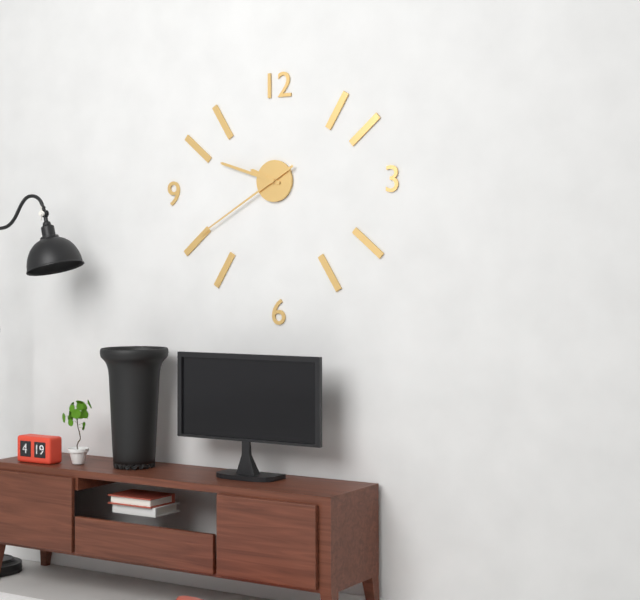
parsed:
9,48,40
